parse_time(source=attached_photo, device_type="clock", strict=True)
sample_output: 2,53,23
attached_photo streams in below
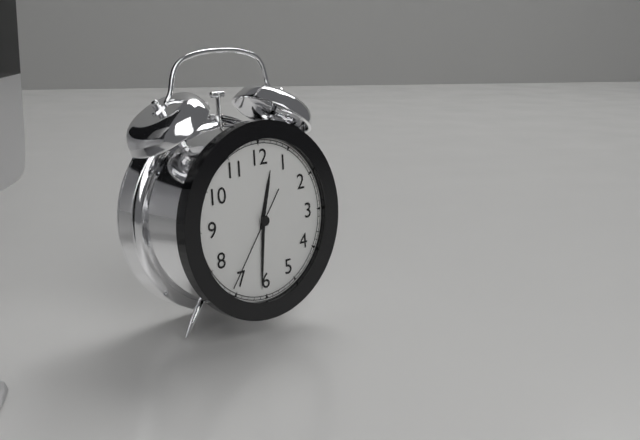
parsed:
12,31,36
